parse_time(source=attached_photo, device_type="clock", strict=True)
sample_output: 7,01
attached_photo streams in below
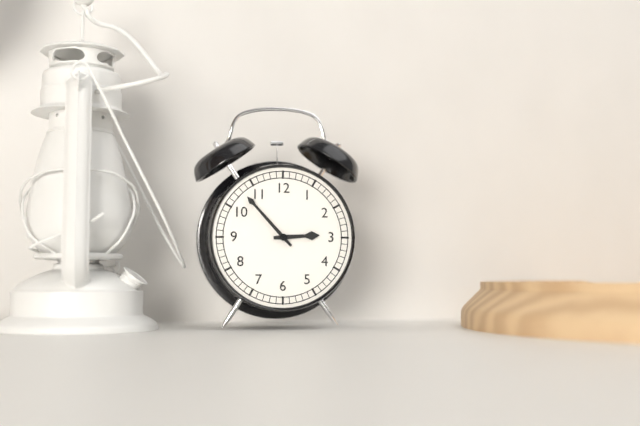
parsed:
2,53
